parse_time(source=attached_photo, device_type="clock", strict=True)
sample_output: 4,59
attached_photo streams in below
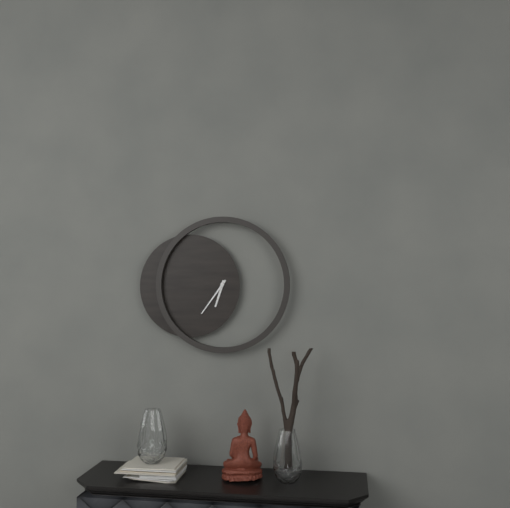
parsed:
6,36
